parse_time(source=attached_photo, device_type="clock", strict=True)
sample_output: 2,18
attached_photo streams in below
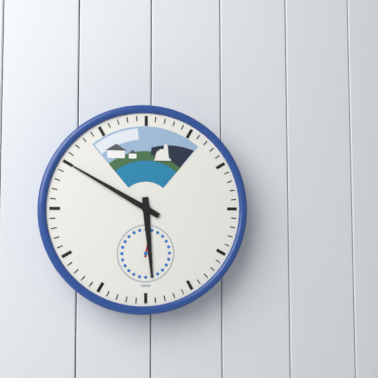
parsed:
5,50
